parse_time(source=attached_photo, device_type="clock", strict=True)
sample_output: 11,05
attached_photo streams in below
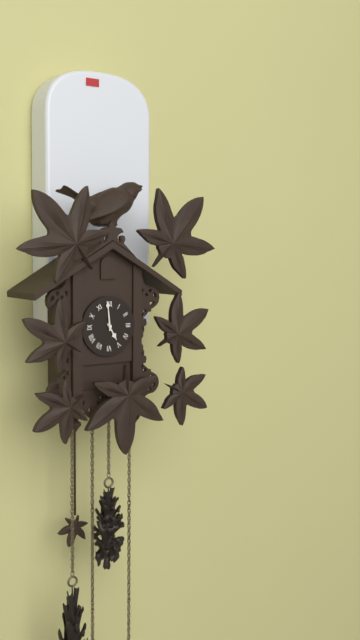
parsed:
4,59
